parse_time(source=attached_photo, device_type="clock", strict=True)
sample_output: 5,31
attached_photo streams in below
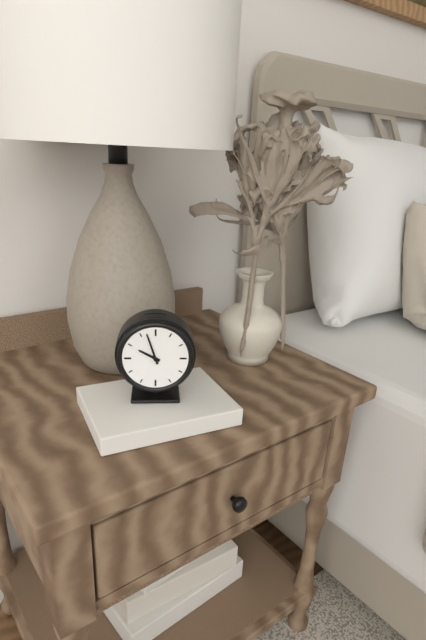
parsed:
9,57
